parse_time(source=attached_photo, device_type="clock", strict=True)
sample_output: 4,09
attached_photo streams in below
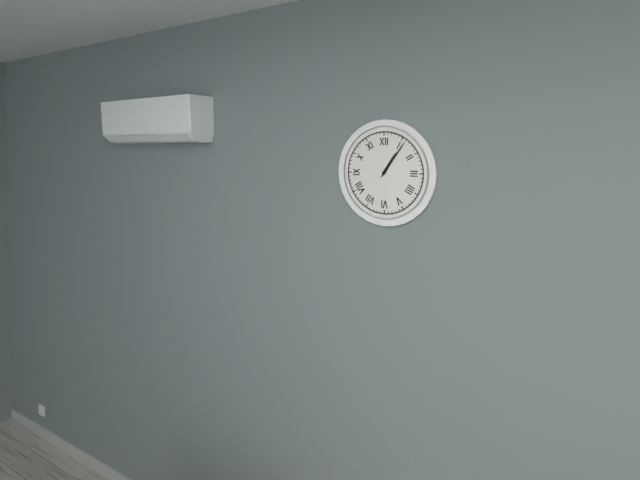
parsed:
1,06
